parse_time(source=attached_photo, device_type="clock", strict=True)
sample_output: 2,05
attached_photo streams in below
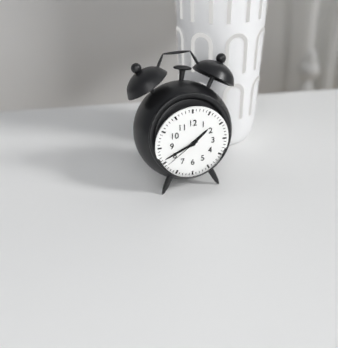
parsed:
1,41
